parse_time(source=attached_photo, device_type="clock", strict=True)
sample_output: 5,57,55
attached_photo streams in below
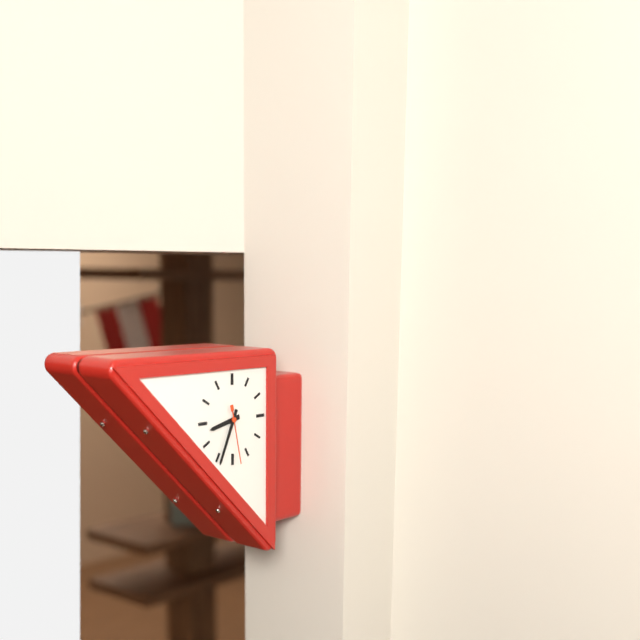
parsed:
8,34,28
